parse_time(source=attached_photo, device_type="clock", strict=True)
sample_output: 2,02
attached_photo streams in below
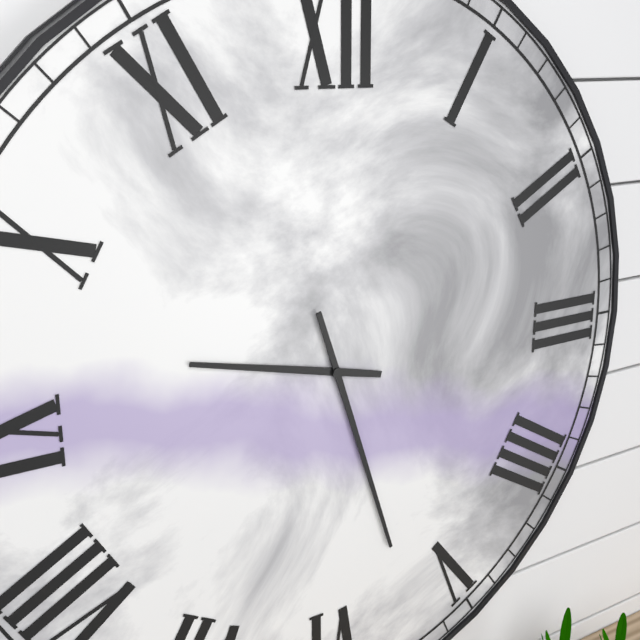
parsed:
9,27
